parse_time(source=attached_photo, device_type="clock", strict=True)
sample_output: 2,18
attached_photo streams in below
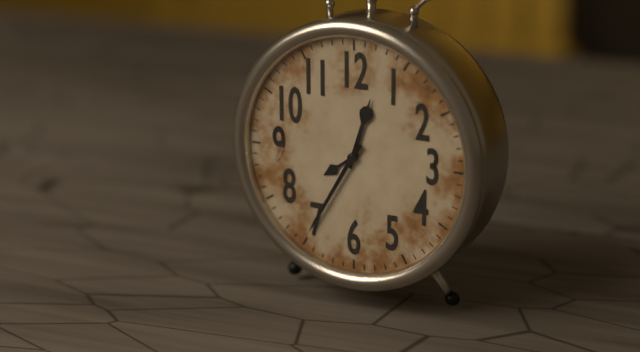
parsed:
12,35
